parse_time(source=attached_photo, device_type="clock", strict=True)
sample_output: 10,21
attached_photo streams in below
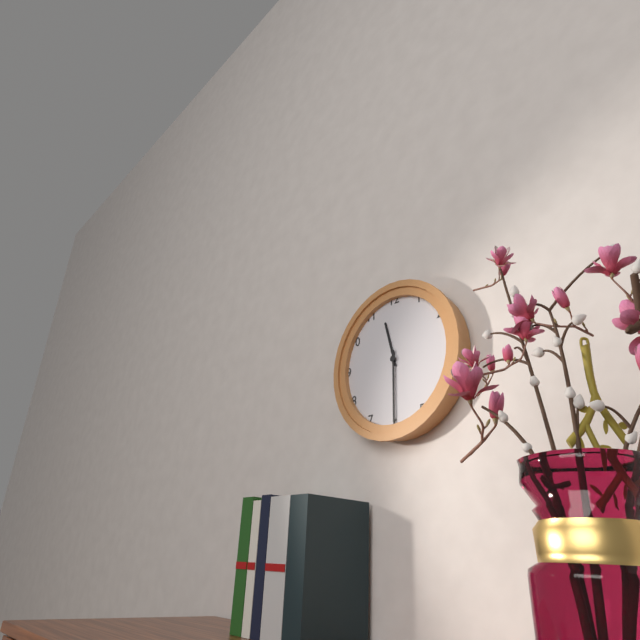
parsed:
11,30
